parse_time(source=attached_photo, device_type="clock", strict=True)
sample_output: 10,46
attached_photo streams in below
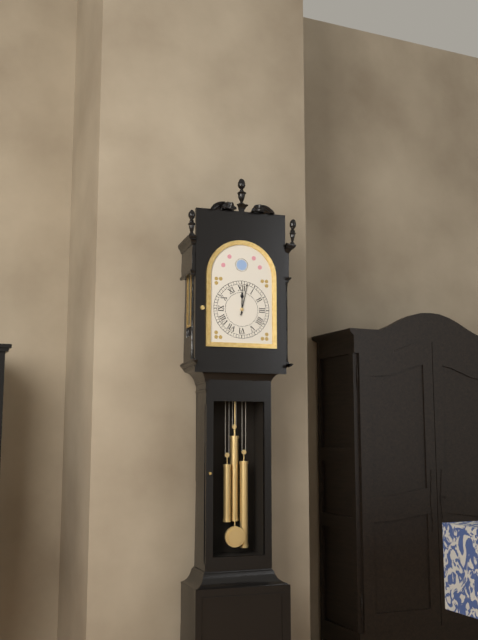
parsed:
12,02
